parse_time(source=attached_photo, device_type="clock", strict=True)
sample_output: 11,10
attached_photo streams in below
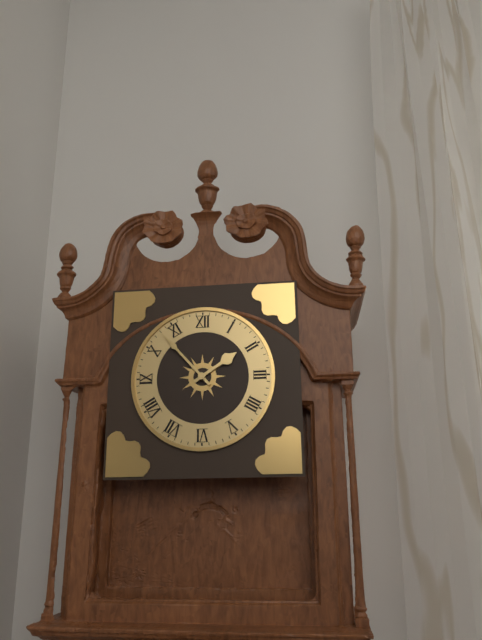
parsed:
1,53
